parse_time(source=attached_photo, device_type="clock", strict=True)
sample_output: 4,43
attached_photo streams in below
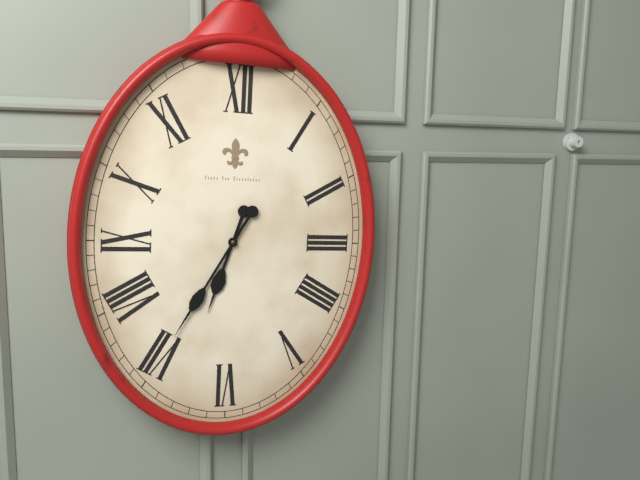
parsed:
6,35
